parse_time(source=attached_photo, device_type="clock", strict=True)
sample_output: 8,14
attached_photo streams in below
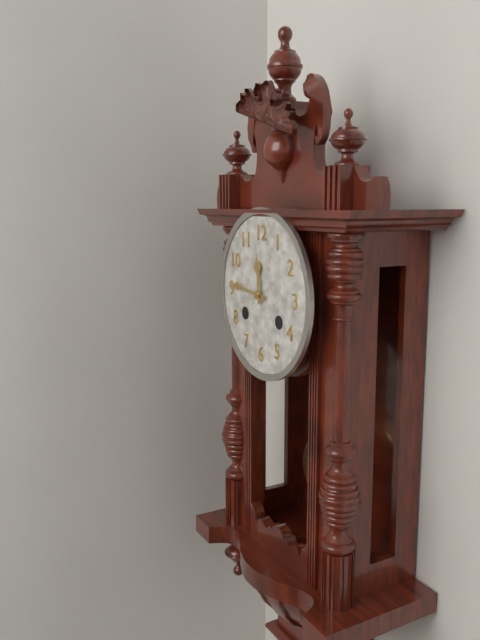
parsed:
11,46
